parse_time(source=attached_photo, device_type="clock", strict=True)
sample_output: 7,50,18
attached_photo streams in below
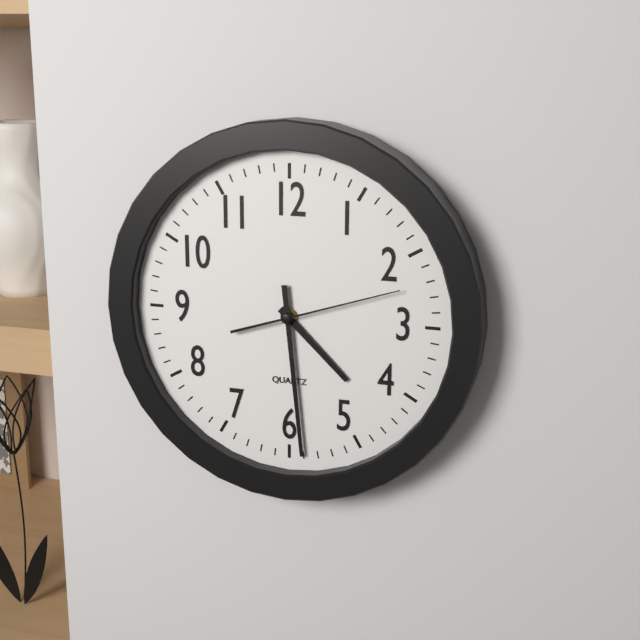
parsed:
4,29,12
